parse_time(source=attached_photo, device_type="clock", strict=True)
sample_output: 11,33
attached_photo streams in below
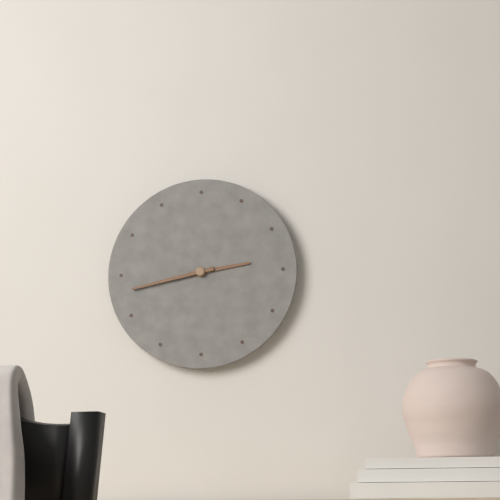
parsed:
2,43
